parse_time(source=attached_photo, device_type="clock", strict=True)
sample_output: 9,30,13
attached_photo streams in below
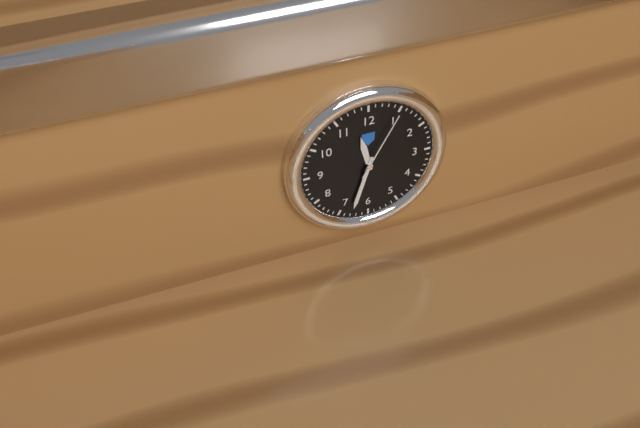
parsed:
11,33,05
